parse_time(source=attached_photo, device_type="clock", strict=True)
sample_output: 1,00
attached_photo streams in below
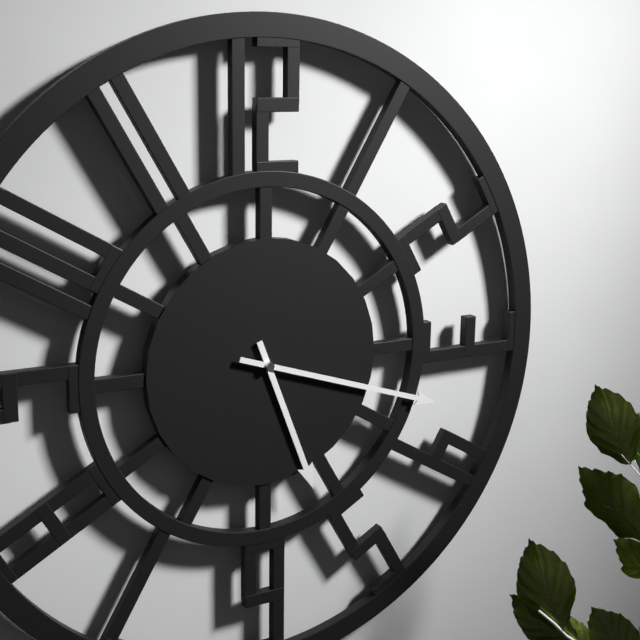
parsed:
5,18
